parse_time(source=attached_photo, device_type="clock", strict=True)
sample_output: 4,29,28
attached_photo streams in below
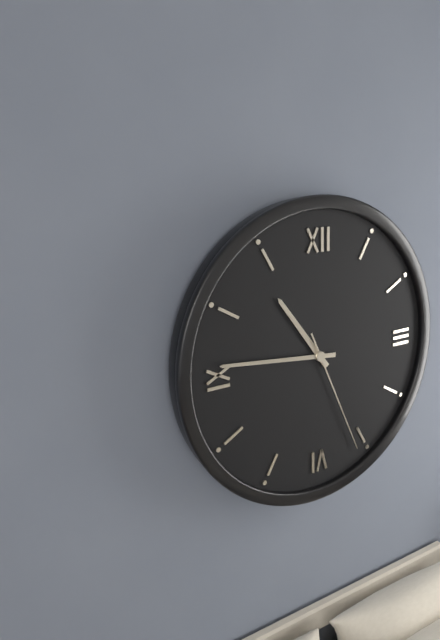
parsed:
10,46,26
